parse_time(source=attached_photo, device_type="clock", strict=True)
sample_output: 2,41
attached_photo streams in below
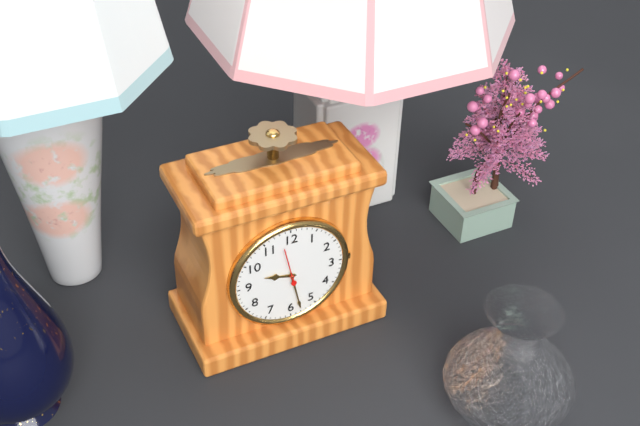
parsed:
9,28
